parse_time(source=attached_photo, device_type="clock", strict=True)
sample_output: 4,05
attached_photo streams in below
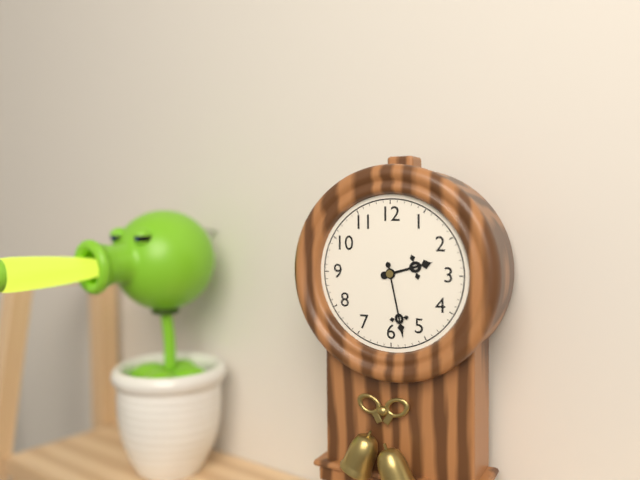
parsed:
2,28
